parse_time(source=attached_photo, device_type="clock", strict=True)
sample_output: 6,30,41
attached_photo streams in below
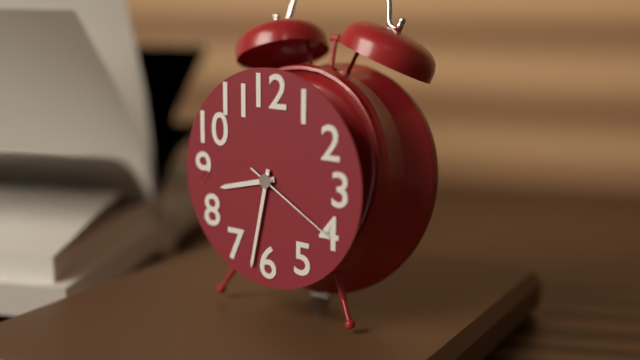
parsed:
8,32,20
